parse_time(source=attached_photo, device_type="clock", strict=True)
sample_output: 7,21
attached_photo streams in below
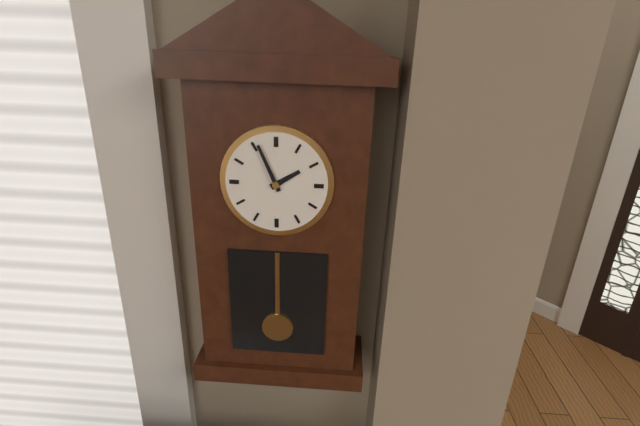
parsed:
1,56
